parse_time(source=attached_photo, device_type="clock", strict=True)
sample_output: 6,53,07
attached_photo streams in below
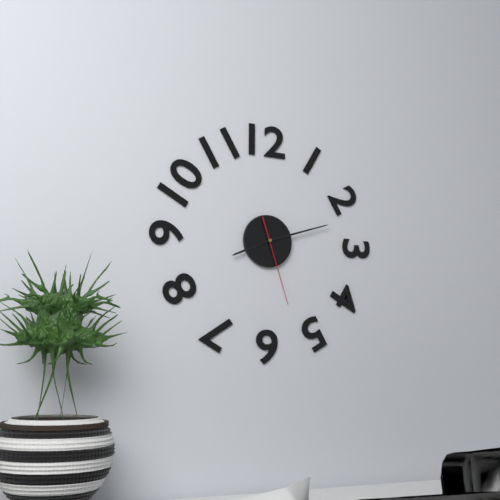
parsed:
8,12,27
